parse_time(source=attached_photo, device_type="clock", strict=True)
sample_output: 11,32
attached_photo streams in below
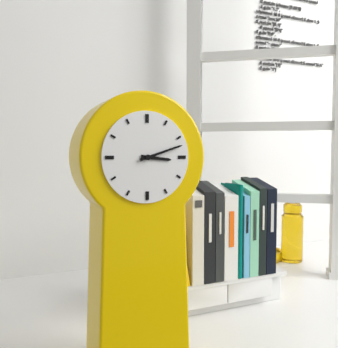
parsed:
3,12
